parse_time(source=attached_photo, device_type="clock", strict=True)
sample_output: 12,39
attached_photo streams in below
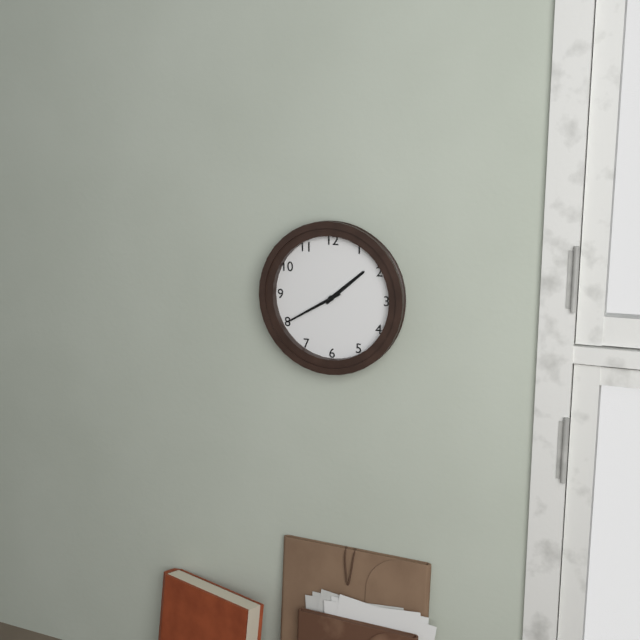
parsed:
1,40
